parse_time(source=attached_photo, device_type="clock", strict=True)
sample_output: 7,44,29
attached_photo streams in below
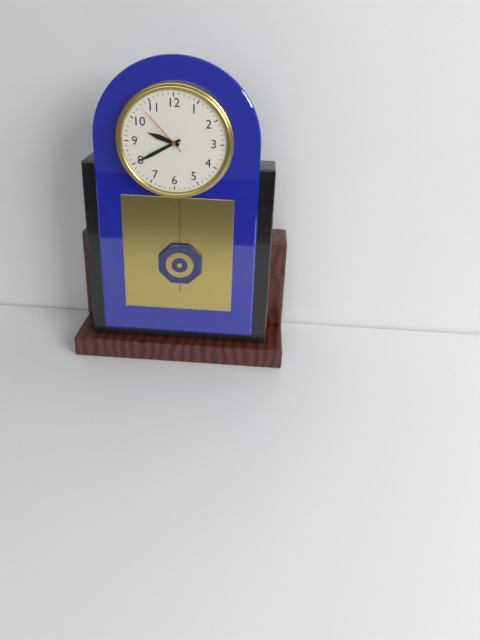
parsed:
9,40,53
